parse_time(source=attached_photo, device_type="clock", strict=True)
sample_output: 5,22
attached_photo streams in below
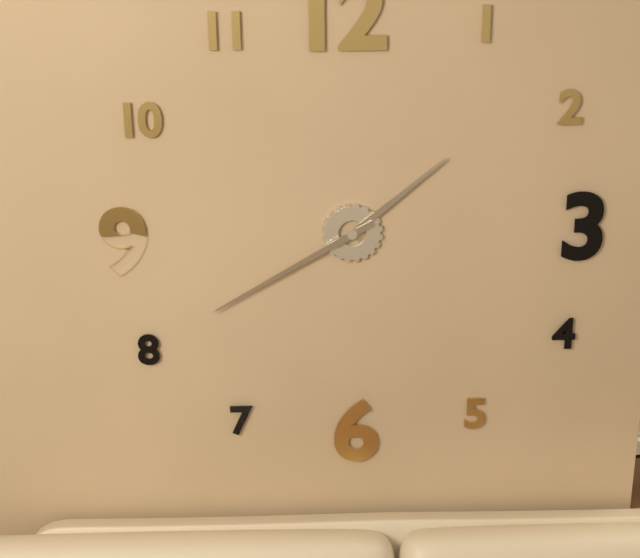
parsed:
1,40
